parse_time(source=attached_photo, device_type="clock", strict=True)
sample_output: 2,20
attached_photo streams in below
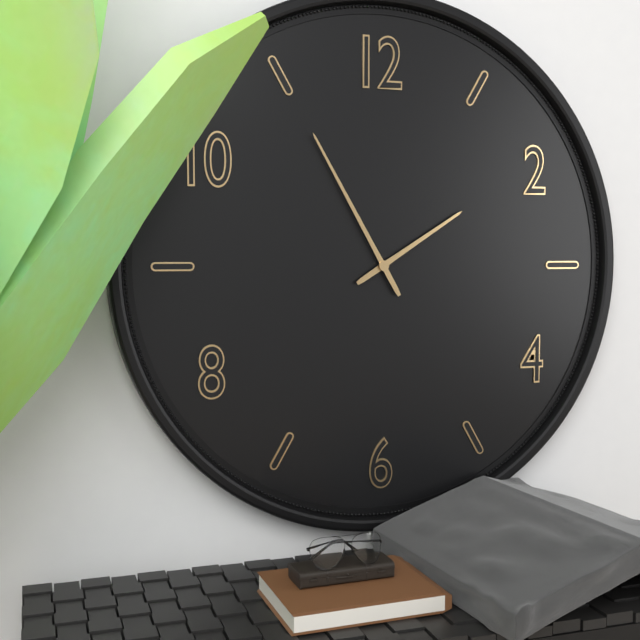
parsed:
1,55
